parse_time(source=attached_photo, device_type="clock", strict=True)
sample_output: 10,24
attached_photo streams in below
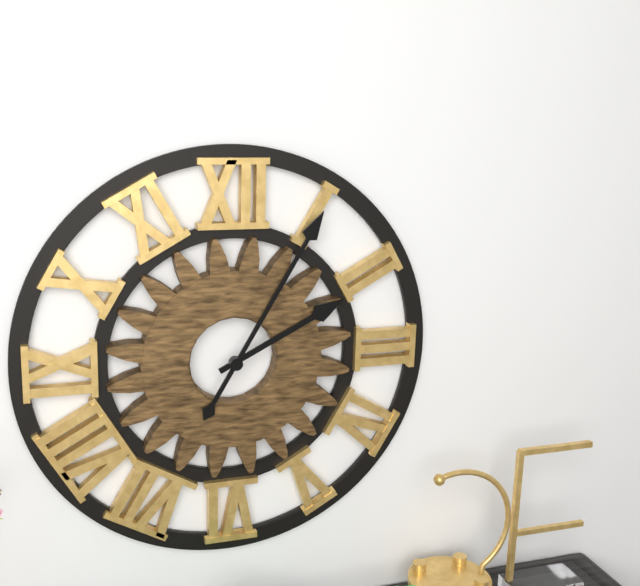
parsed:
2,05
